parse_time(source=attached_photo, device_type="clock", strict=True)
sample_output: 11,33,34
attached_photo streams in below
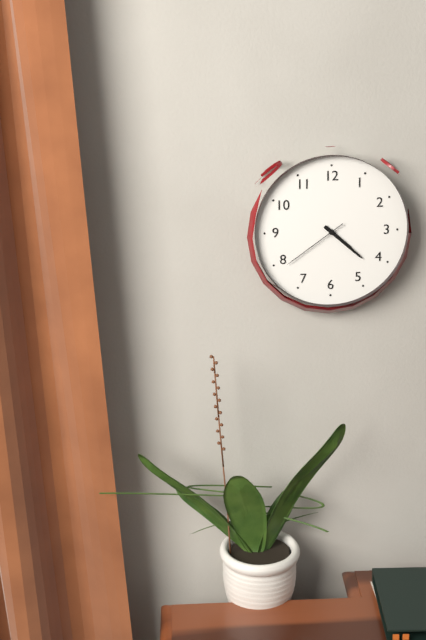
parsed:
4,22,39
